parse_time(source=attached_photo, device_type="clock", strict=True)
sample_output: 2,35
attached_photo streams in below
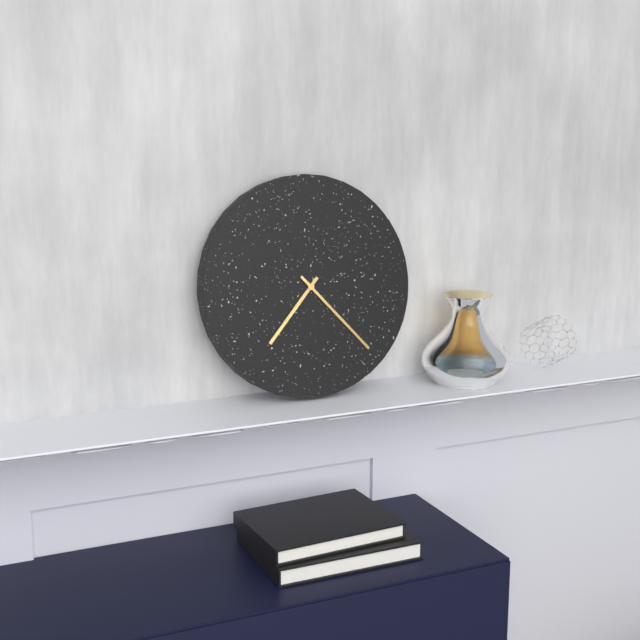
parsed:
7,23
